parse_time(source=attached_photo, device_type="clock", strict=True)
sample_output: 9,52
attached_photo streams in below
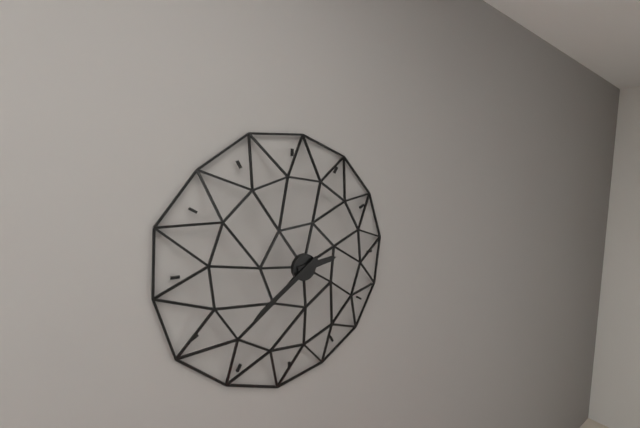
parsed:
2,39
